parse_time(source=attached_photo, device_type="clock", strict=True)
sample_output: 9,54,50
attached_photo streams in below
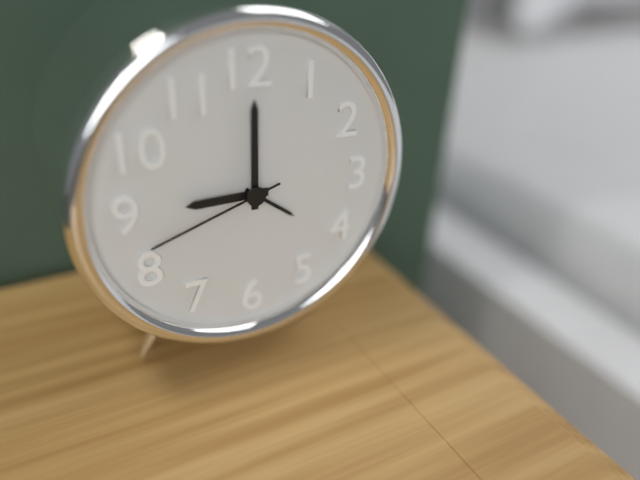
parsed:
9,00,42
